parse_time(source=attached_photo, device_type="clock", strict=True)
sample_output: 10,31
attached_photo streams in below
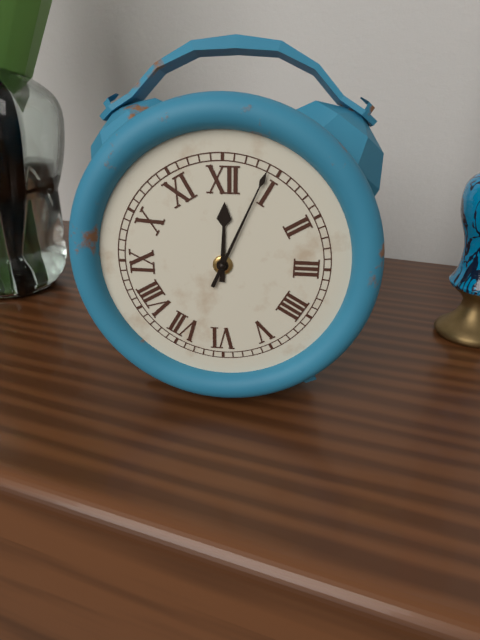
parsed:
12,04
